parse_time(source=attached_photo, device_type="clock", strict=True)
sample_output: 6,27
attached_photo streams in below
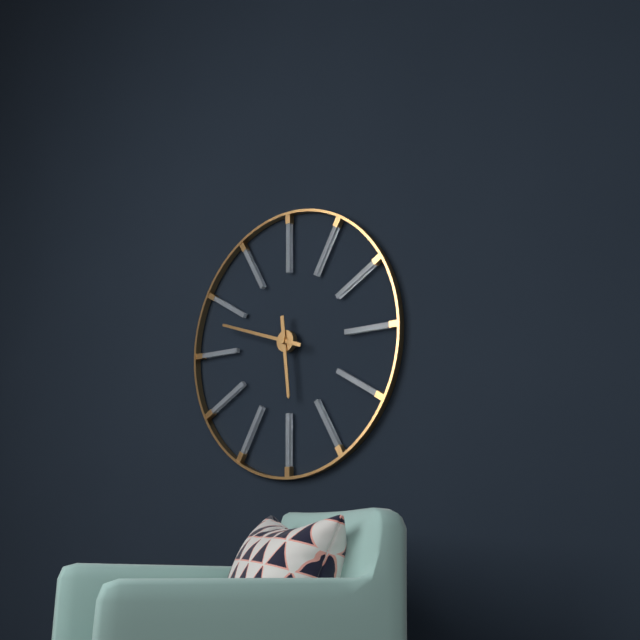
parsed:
5,48
